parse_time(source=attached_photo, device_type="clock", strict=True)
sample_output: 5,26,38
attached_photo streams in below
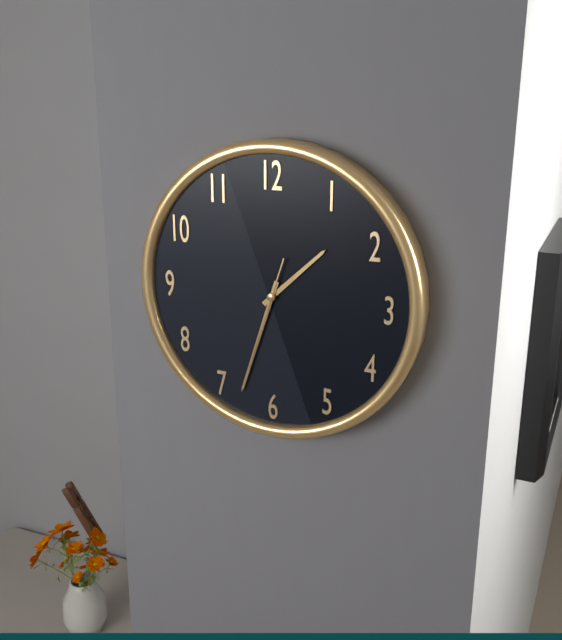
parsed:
1,33,33
